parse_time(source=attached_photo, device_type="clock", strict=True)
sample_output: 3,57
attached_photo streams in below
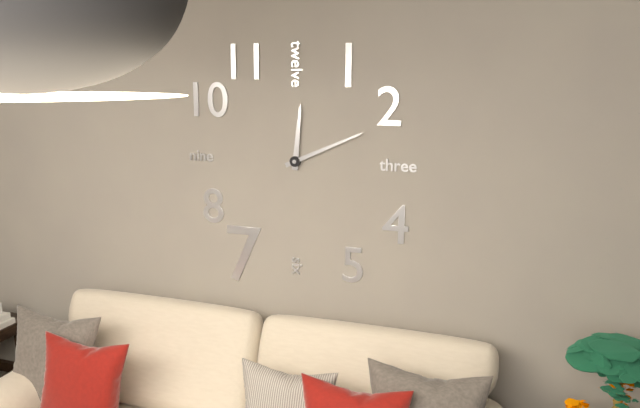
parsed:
12,11
